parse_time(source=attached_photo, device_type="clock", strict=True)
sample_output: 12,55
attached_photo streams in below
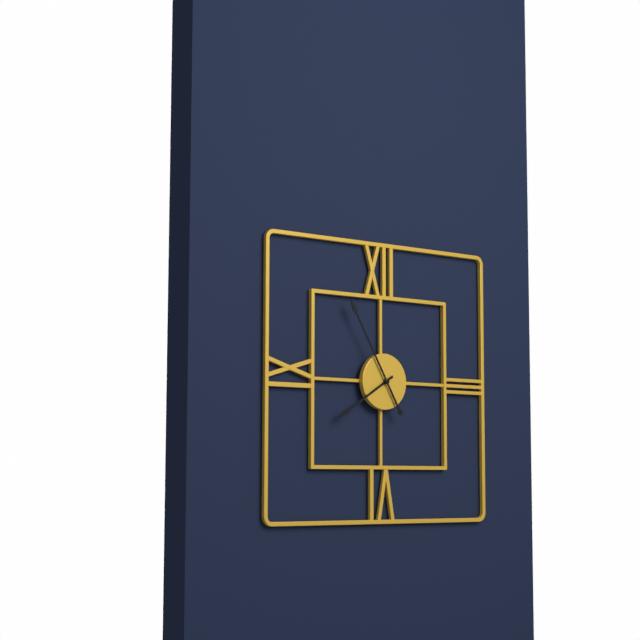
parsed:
7,55
